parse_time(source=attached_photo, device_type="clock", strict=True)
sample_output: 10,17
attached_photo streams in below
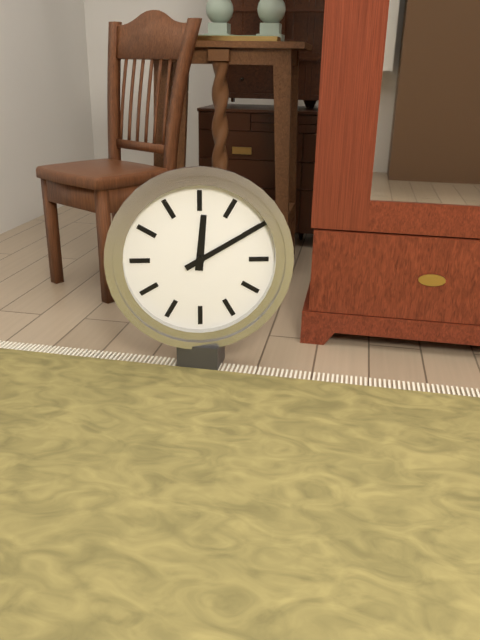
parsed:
12,10
